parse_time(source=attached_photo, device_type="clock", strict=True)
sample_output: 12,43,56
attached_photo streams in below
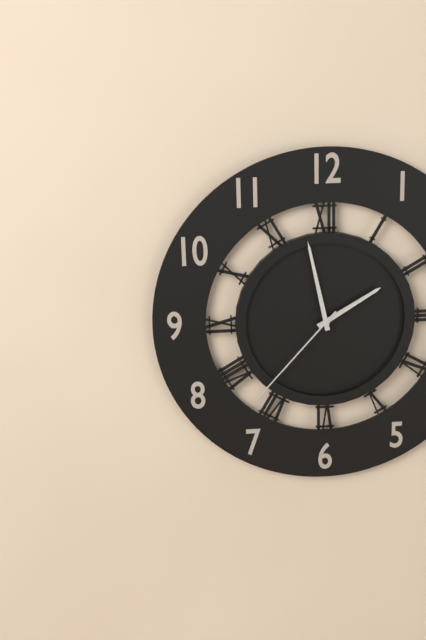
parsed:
1,58,37
